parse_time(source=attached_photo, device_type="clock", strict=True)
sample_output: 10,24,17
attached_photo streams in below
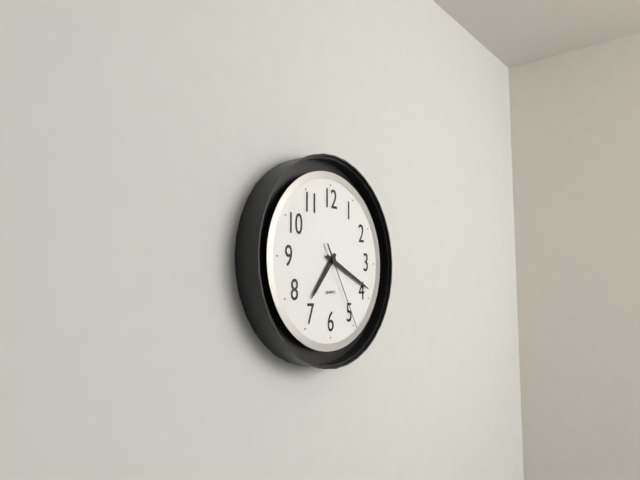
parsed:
7,19,25
